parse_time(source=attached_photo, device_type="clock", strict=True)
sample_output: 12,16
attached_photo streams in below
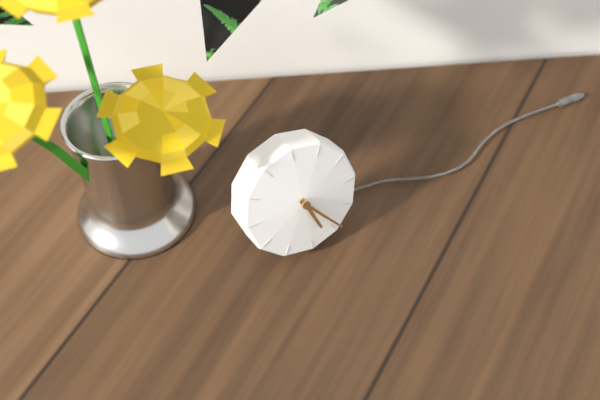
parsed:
5,24
